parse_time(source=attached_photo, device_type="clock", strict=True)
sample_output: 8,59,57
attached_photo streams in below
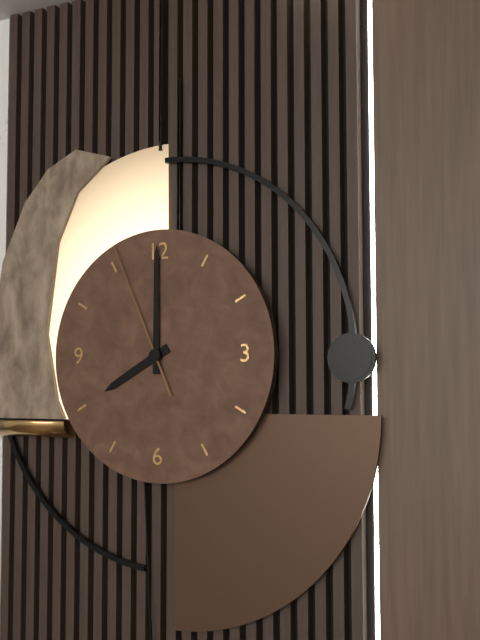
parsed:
8,00,56
